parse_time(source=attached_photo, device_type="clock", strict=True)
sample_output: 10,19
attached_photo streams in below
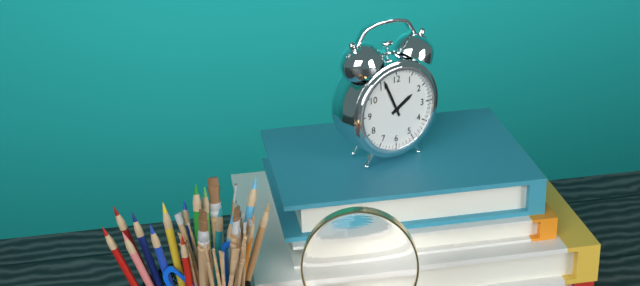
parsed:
1,56
